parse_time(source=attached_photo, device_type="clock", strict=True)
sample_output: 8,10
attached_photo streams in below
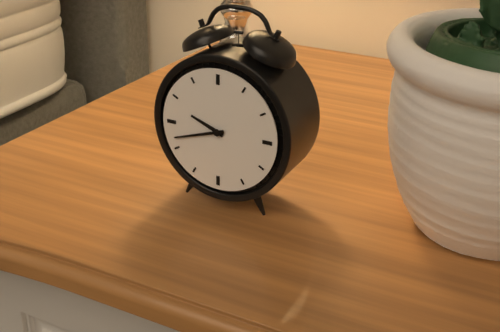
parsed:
9,42
